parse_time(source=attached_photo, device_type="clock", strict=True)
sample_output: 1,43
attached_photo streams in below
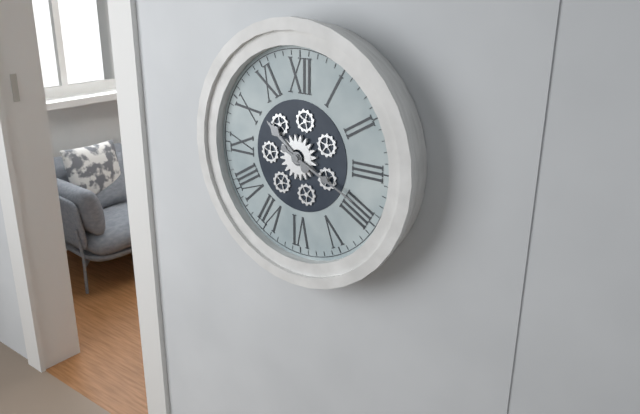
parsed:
10,19
